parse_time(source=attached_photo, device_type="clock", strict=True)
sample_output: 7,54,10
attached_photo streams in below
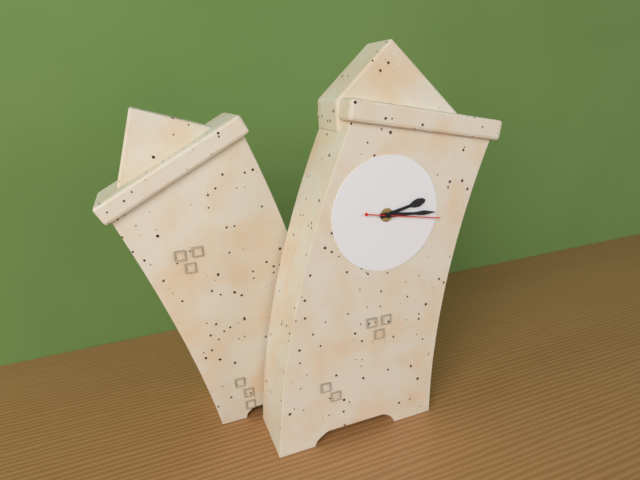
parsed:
2,14,15
